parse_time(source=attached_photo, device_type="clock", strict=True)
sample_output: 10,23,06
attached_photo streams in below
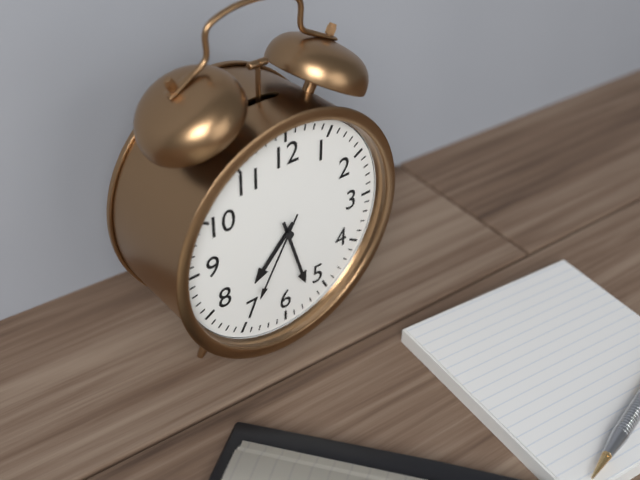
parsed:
7,27,35
